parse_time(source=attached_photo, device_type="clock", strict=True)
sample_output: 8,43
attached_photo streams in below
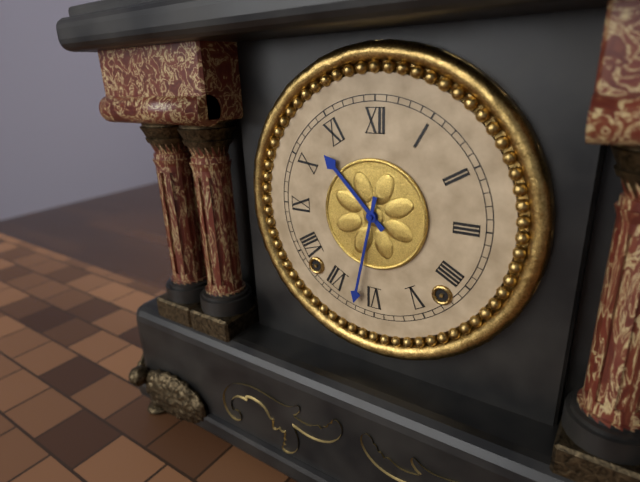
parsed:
10,32
